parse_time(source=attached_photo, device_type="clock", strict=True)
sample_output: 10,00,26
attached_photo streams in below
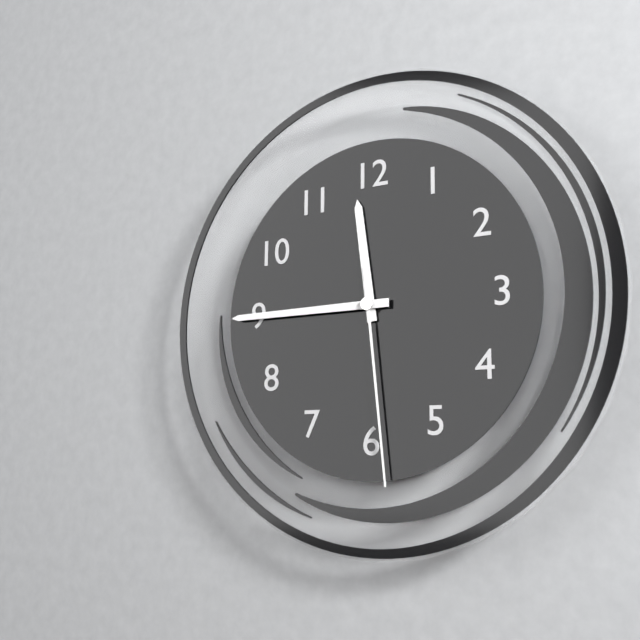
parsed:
11,45,29
